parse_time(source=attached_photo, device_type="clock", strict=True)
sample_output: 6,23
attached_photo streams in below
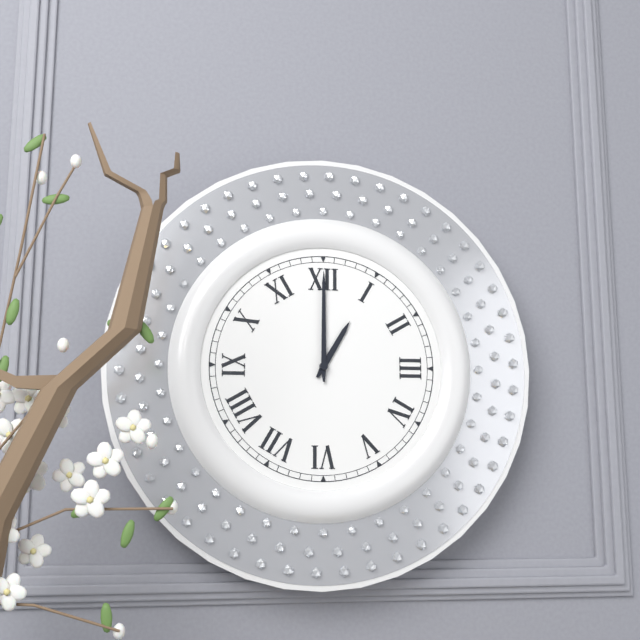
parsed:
1,00
